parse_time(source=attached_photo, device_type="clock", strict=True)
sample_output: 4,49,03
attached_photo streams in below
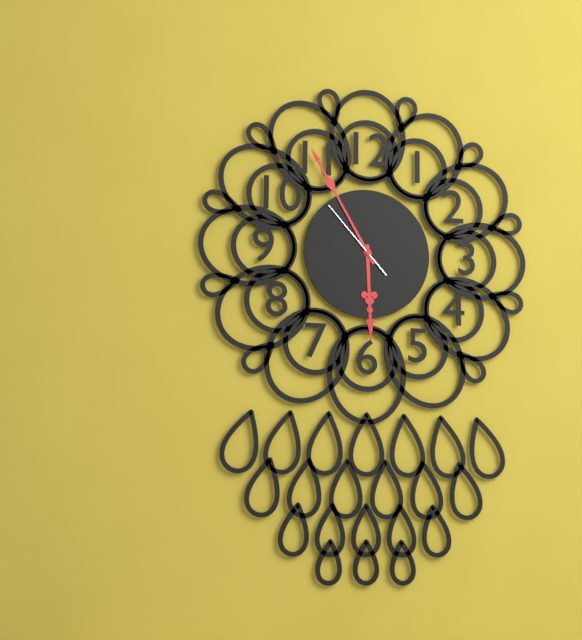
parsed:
5,55,53
